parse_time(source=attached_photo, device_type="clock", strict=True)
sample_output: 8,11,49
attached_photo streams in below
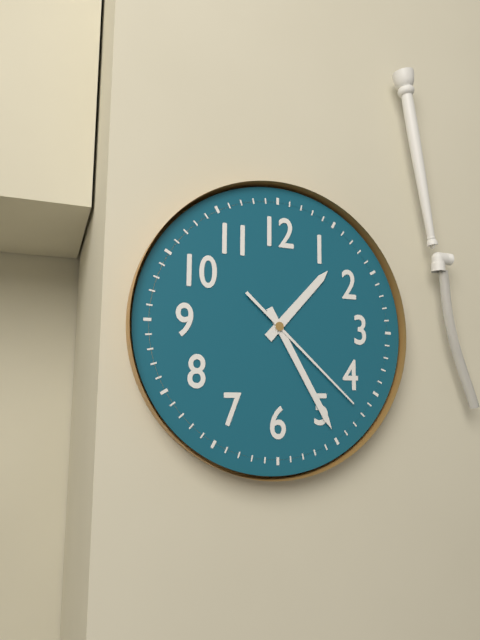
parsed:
1,25,22
